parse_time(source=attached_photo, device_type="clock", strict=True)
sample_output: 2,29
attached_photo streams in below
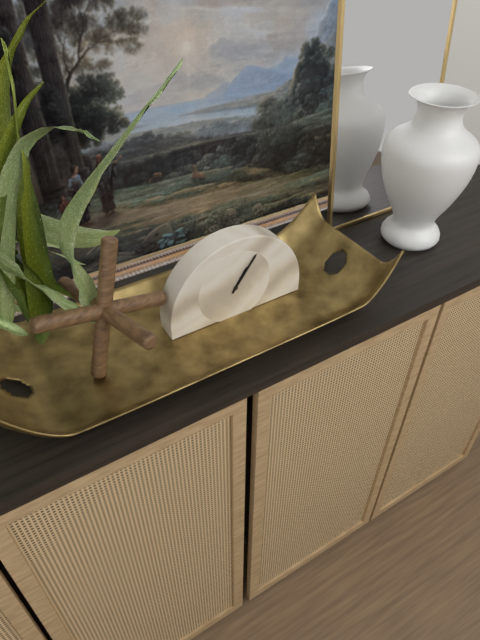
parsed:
1,06
